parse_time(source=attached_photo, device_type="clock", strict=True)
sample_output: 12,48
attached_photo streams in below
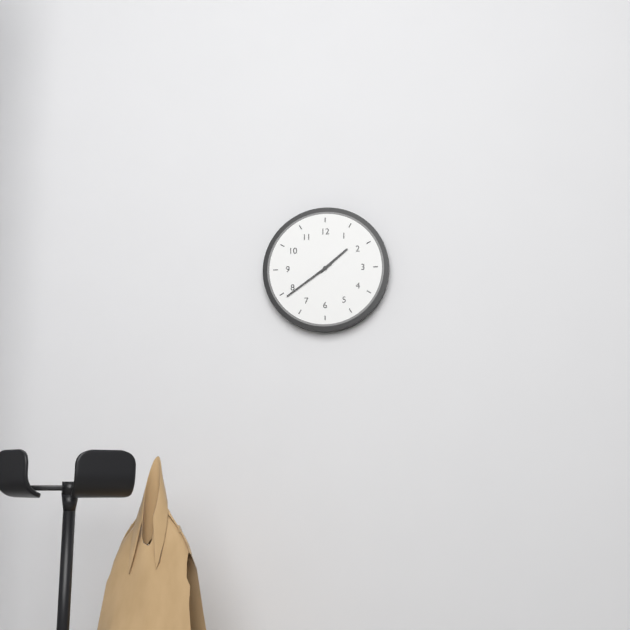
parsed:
1,39
